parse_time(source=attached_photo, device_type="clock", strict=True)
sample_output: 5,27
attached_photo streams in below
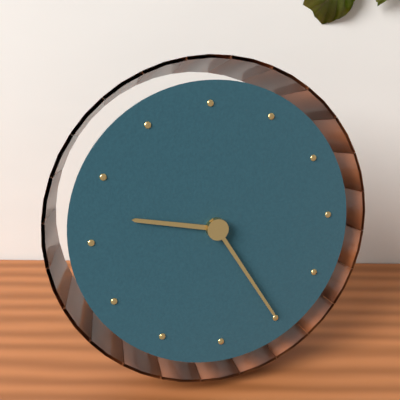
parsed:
9,25
